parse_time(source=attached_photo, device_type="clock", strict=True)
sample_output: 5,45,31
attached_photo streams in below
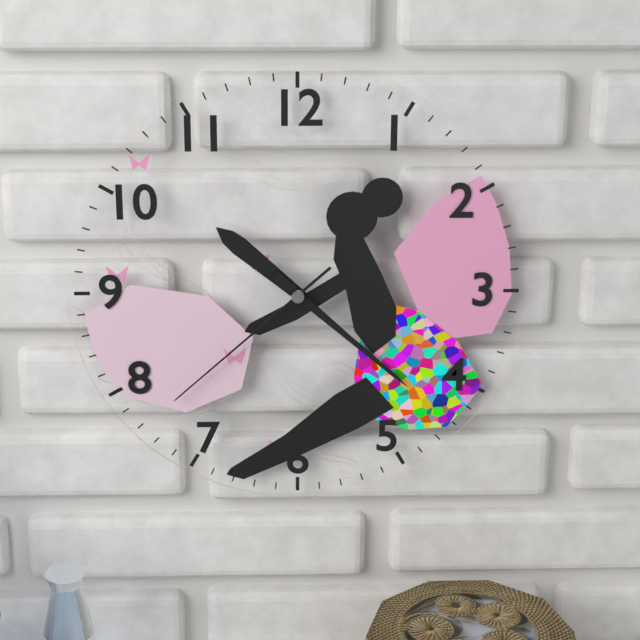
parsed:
10,22,38
